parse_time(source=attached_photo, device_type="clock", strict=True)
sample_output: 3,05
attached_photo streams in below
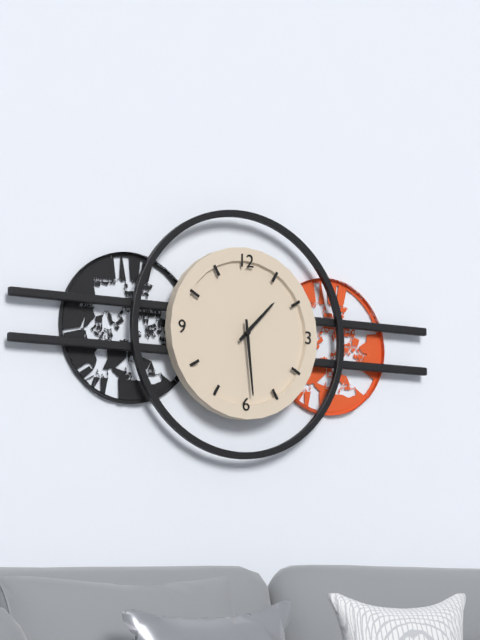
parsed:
1,29
